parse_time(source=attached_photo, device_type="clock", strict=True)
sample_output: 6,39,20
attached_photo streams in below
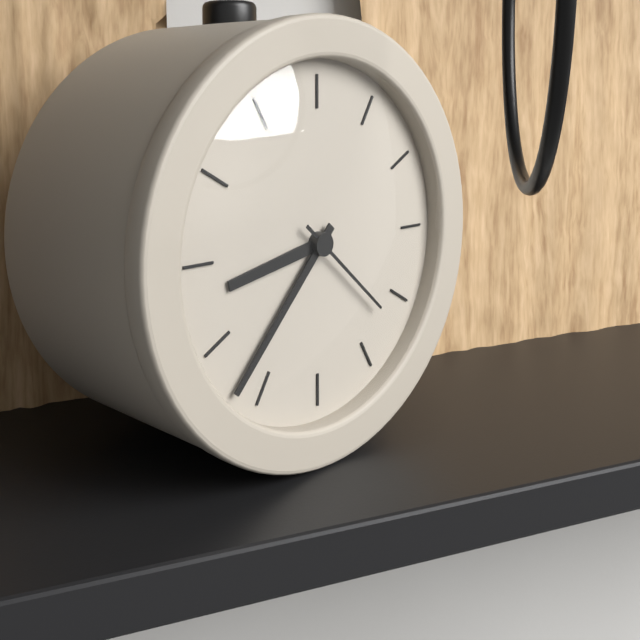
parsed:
8,37,22
